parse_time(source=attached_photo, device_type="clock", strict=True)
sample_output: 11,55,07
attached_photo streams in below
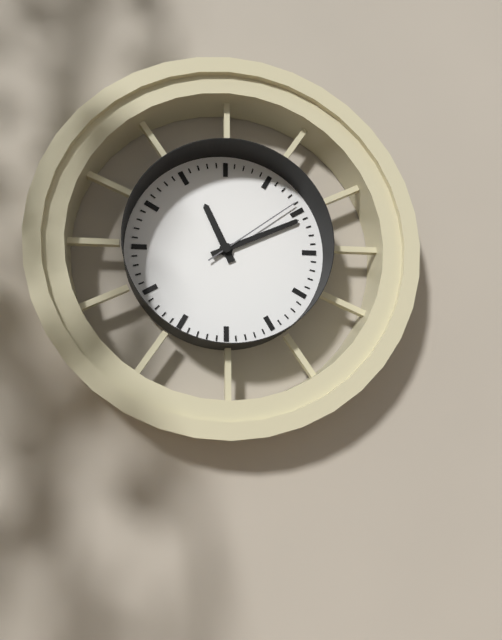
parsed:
11,11,09
